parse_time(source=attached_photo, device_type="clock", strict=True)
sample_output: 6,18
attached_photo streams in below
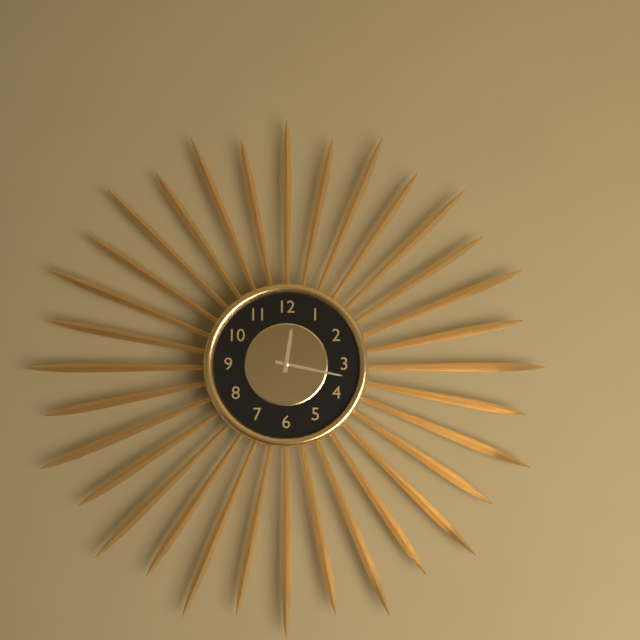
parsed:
12,17
